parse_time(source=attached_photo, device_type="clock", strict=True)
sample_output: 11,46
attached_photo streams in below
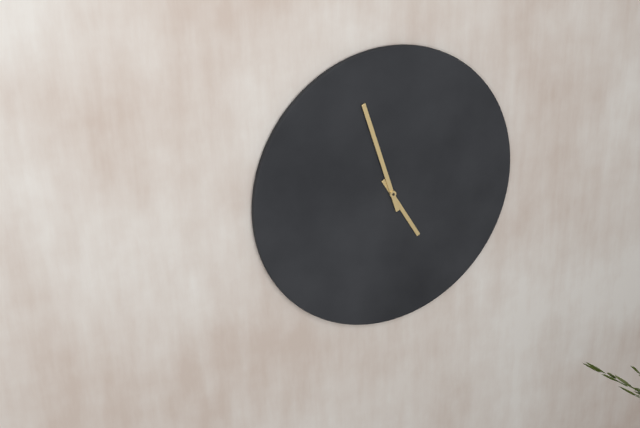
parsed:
4,57
